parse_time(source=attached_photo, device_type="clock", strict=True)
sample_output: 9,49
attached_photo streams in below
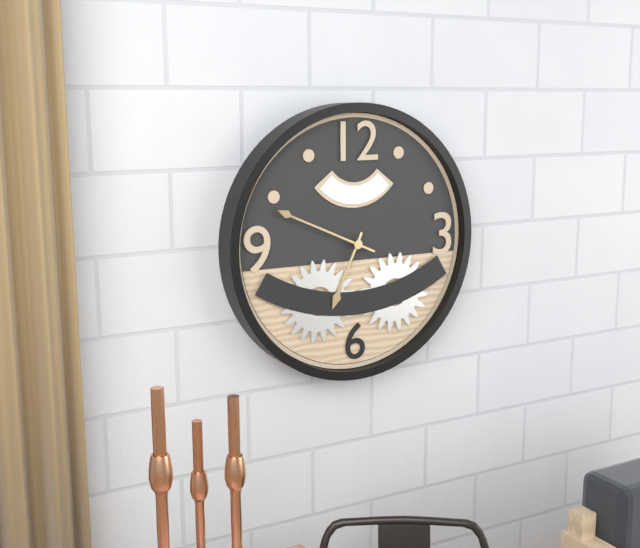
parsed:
6,49
